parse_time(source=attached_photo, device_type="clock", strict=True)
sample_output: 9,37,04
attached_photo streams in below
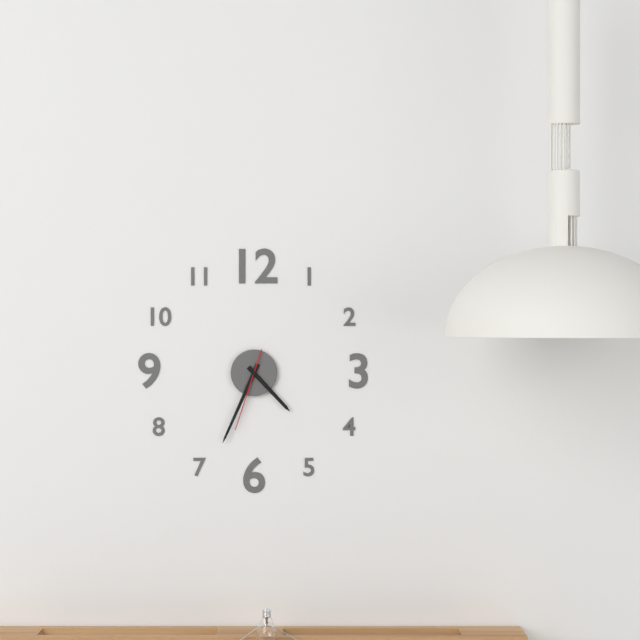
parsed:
4,34,33
